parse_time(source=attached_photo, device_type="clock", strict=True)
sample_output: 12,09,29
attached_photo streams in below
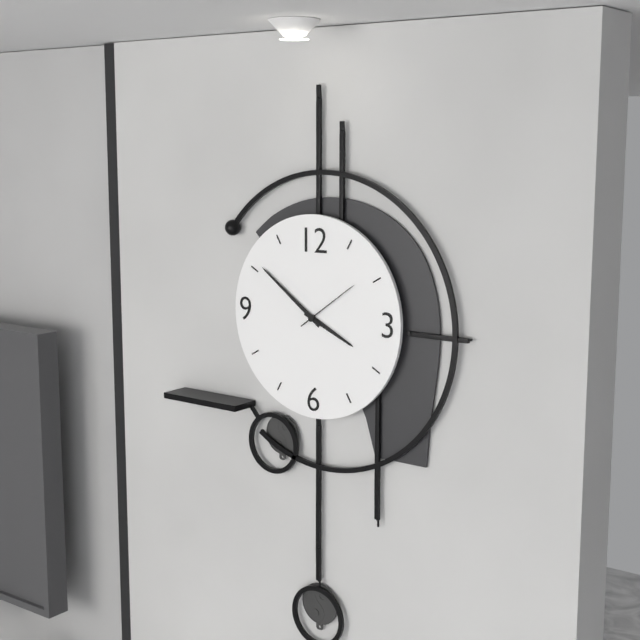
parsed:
3,51,09
